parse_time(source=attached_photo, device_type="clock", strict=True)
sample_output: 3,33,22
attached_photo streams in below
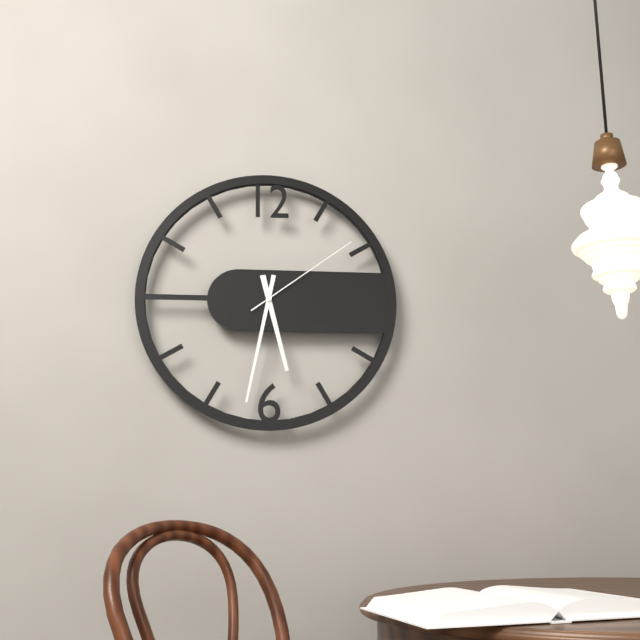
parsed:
5,32,09
